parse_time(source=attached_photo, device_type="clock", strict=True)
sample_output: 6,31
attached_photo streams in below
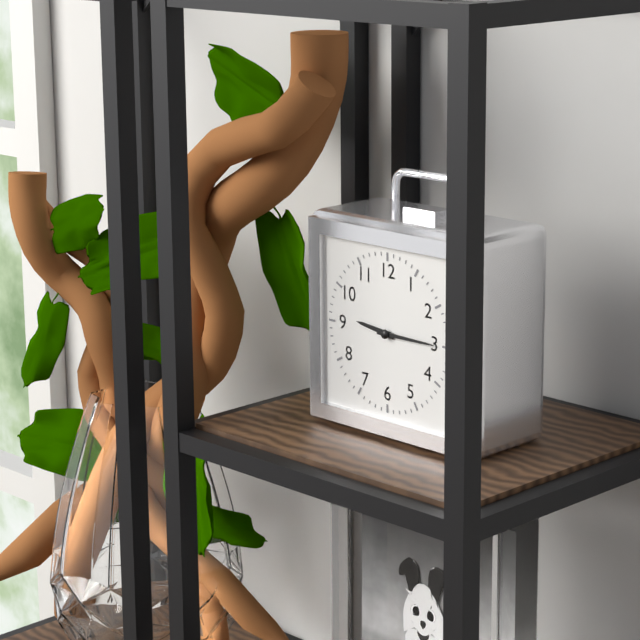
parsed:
9,15
